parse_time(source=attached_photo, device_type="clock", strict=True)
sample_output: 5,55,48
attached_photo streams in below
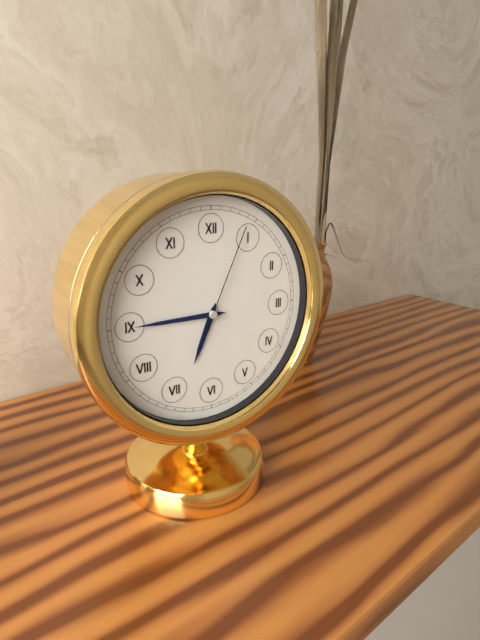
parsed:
6,45,04
